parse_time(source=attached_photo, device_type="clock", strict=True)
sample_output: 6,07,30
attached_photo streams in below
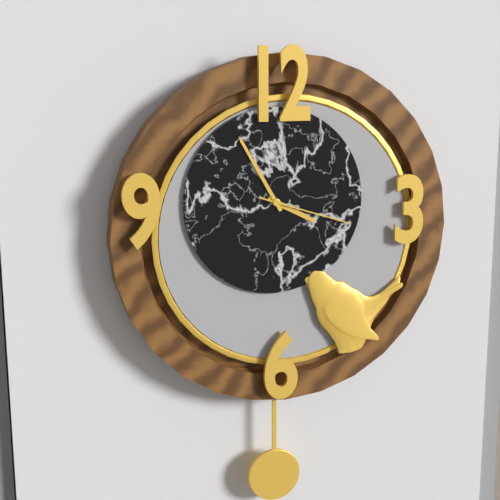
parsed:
3,55,18
